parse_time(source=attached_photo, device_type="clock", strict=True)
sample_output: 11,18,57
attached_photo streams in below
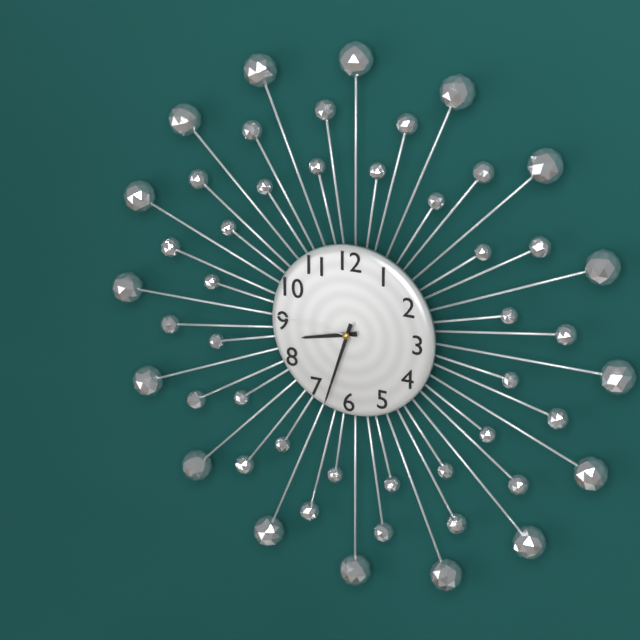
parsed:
8,33,46
